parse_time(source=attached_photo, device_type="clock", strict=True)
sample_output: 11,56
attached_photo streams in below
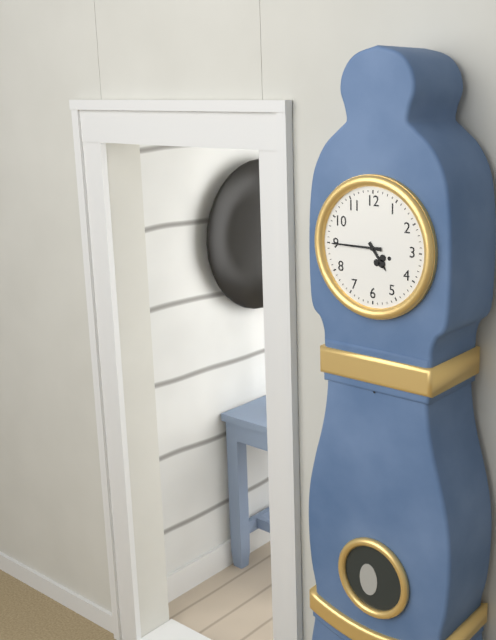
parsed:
4,45
